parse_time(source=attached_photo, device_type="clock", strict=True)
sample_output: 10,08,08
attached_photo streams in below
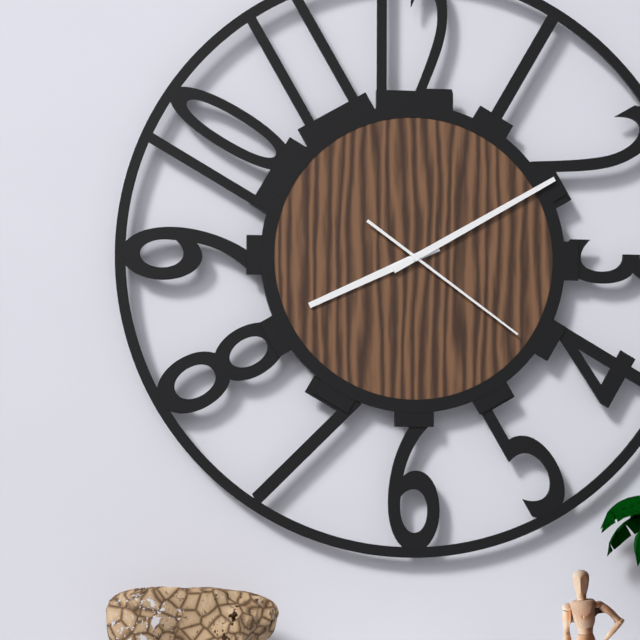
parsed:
8,10,21
